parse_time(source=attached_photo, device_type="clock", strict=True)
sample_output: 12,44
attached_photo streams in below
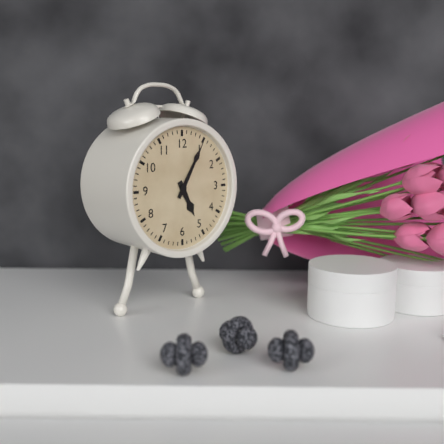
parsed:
5,05
